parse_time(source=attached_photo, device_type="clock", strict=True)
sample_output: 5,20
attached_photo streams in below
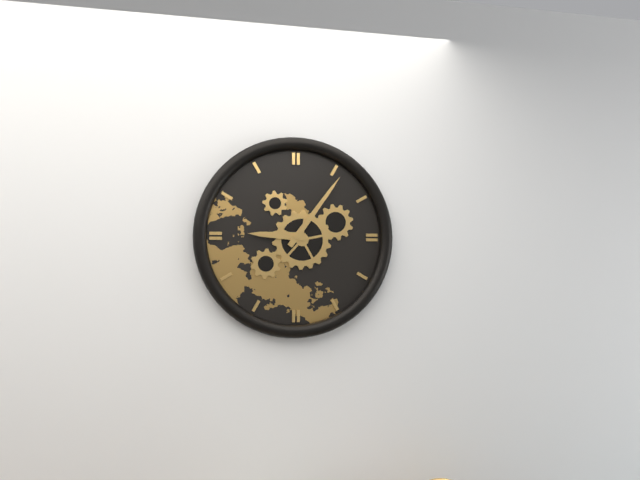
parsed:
9,06
